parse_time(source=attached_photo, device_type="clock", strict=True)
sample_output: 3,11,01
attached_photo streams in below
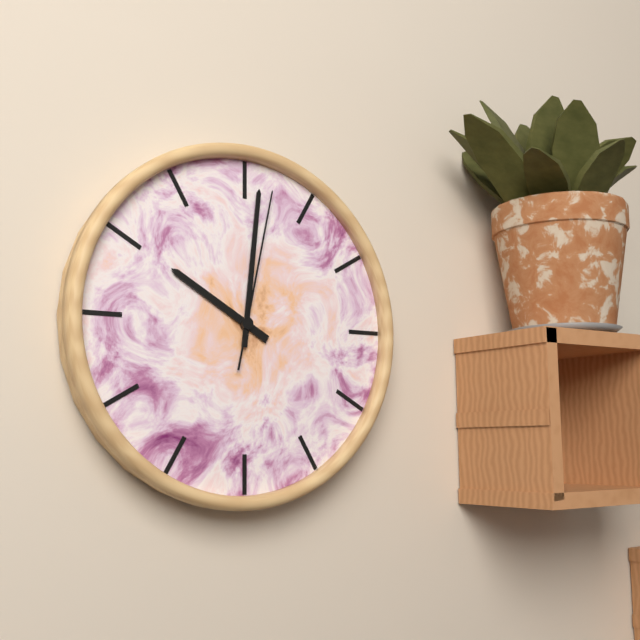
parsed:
10,01,02
